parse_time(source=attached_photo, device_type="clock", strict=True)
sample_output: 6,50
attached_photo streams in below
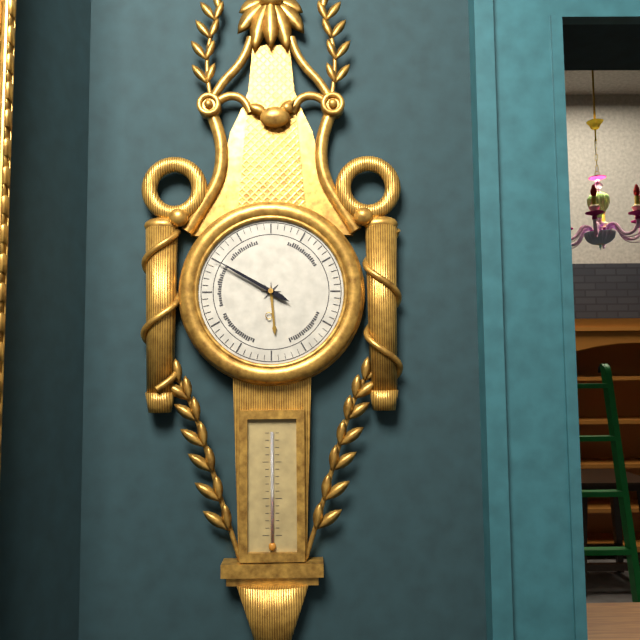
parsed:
5,50
